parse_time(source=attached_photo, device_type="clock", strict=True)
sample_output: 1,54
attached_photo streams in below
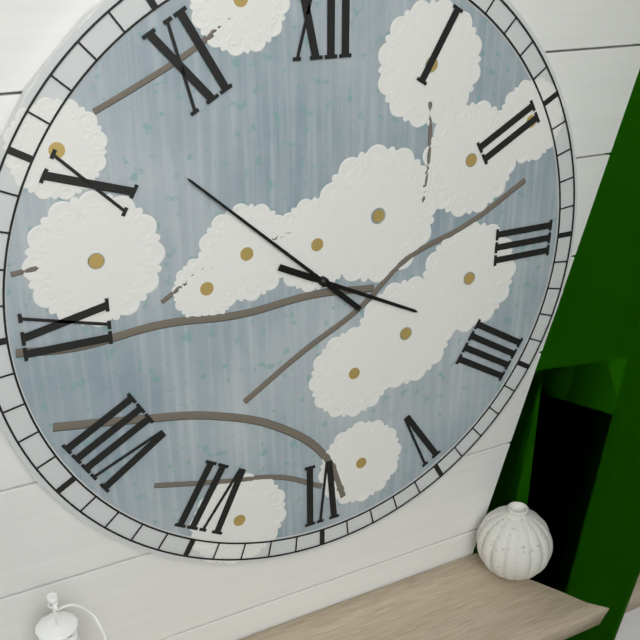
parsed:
3,52
